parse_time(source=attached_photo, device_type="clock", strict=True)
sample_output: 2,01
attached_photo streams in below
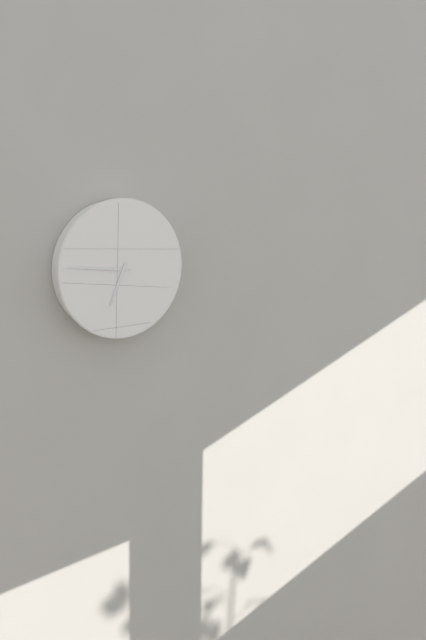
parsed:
6,46
